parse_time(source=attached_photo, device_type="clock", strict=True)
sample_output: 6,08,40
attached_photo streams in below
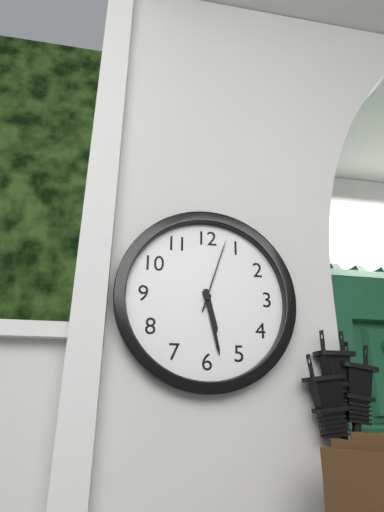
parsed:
5,28,03
